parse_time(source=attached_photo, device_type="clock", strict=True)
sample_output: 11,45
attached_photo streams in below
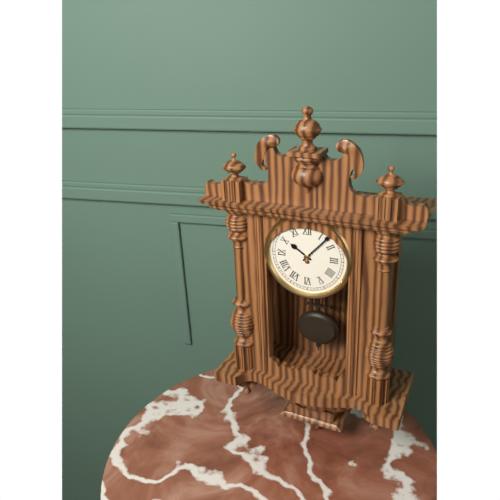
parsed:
10,07
